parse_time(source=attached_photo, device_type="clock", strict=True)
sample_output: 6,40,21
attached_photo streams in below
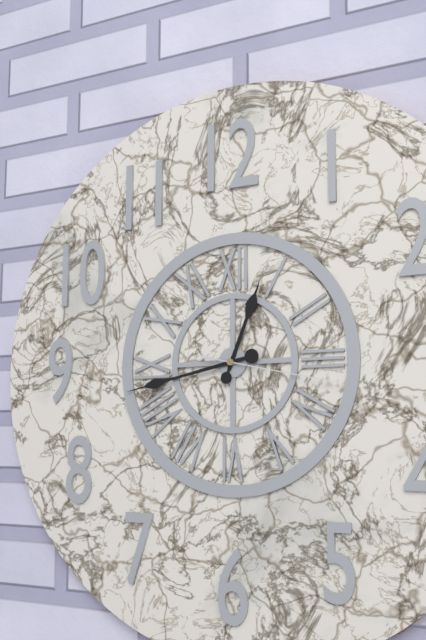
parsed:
12,43,17
